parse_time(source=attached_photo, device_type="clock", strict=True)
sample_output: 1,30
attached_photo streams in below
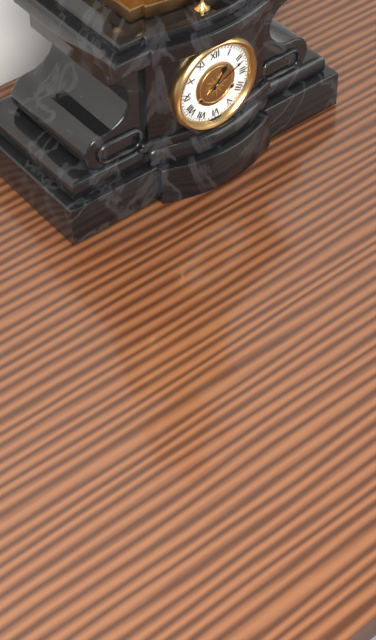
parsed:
1,11
